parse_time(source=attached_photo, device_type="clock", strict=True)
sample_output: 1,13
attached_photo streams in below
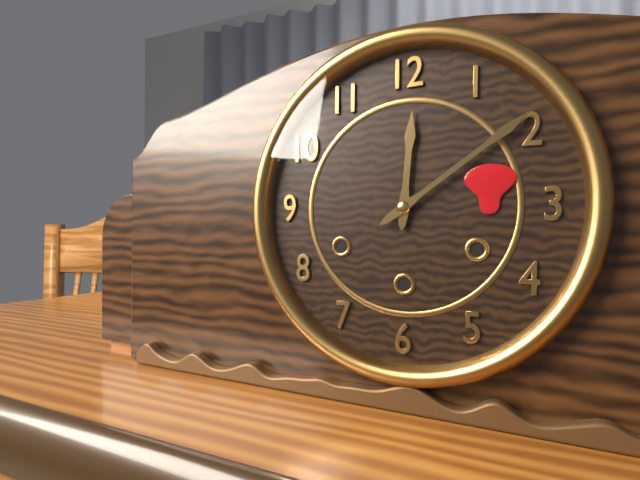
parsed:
12,09
